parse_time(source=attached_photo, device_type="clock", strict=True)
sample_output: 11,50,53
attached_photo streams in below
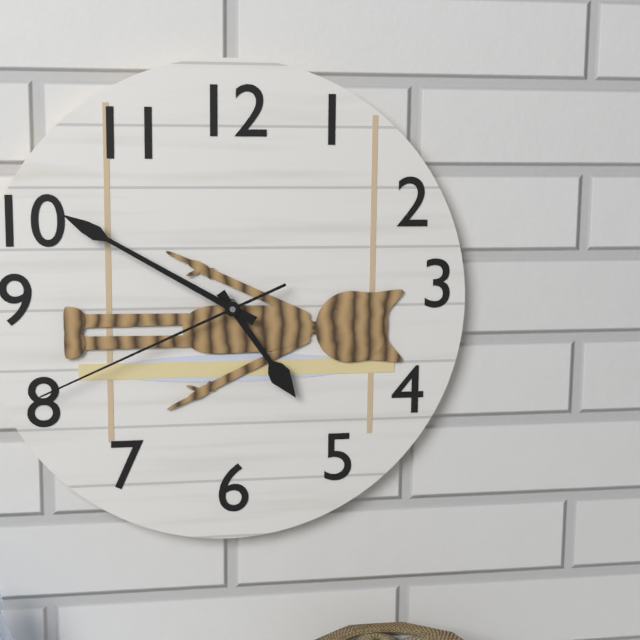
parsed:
4,50,41
